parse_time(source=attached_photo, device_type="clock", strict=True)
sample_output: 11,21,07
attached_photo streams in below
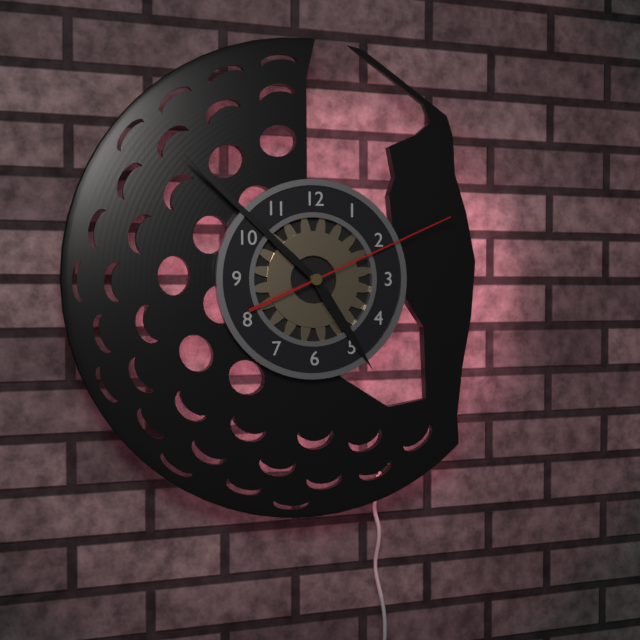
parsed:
4,52,11
